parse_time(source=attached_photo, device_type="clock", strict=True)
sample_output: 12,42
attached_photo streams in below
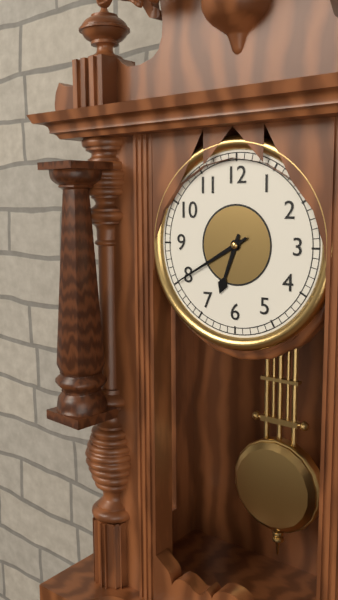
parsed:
6,40
